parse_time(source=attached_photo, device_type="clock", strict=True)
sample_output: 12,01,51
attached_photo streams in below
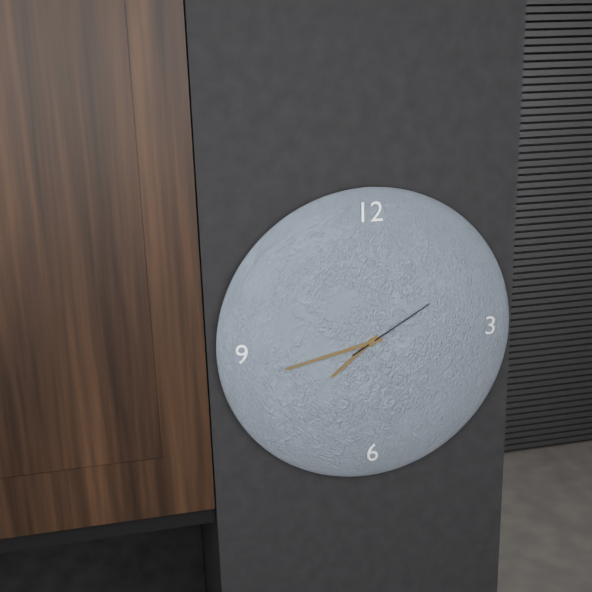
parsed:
7,43,10
